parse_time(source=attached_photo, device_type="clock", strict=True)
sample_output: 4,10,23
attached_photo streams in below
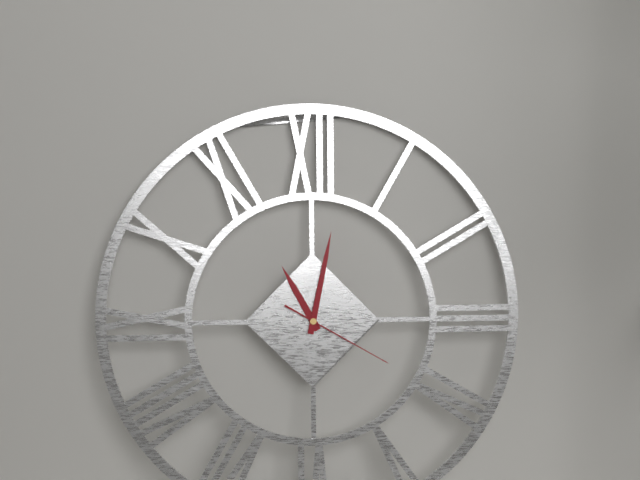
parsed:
11,02,20
